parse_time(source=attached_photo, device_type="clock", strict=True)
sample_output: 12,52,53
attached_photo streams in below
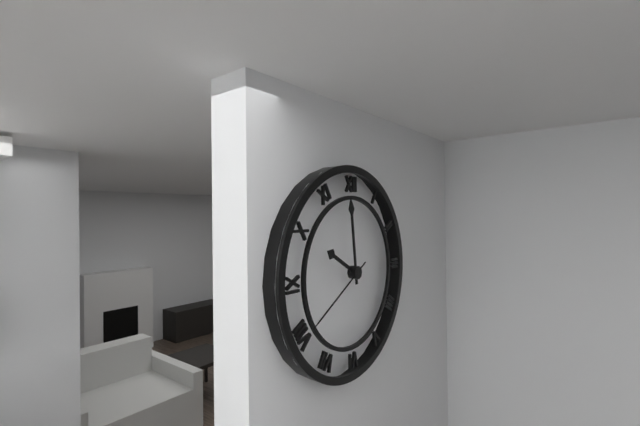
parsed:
9,59,40
